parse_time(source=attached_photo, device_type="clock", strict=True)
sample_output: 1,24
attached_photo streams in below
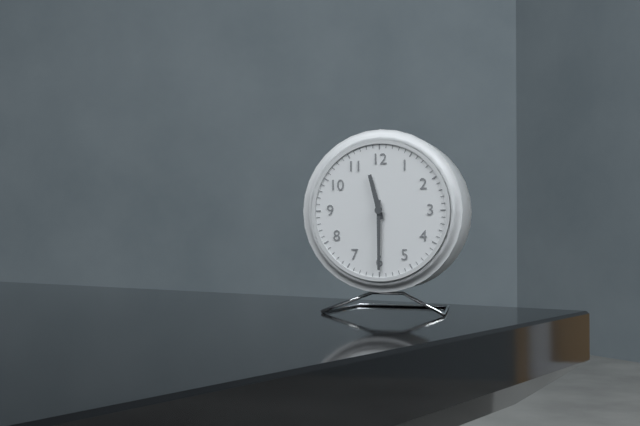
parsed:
11,30
